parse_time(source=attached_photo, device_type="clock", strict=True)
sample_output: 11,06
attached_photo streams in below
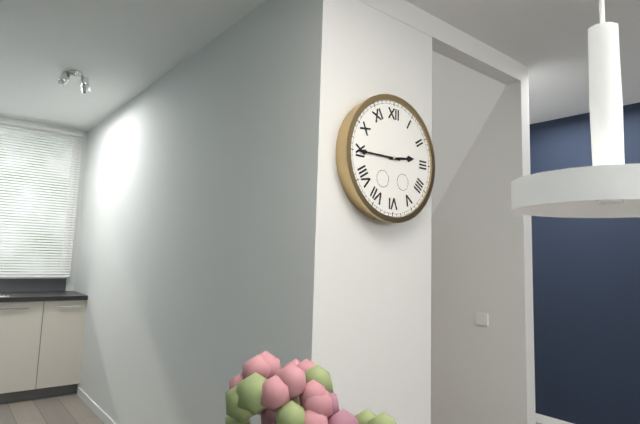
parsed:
2,45
